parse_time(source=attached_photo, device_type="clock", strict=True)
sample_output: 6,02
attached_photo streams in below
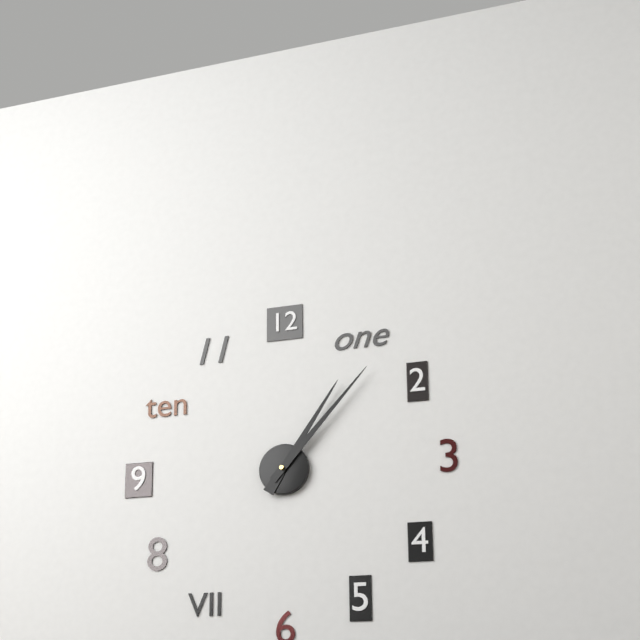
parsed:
1,07
